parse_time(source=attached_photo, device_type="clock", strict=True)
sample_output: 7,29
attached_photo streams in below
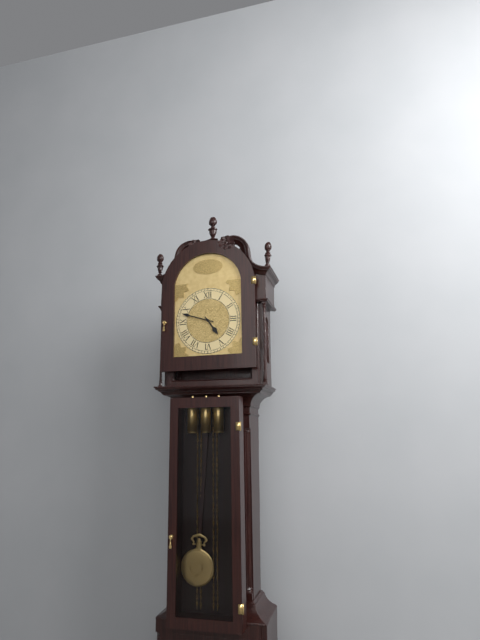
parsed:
4,48
